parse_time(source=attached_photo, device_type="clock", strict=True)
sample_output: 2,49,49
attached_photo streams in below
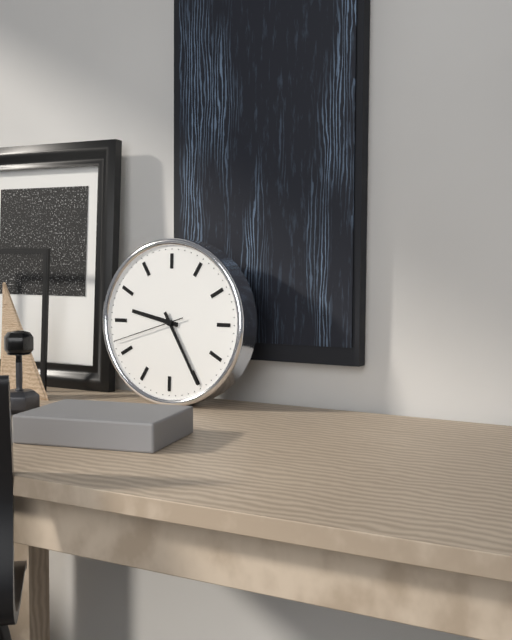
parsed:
9,25,42
